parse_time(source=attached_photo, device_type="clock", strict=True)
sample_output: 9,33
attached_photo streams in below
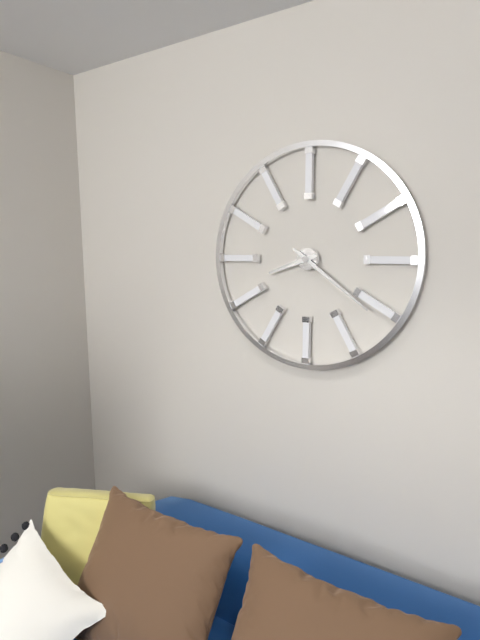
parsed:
8,21
